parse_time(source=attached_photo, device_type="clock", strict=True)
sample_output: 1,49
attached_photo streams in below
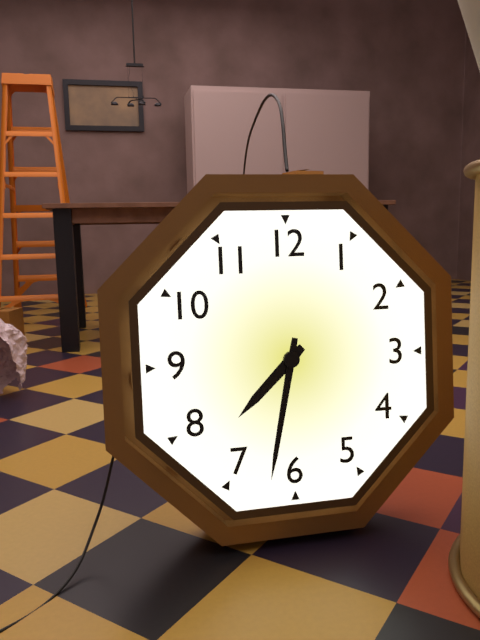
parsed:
7,32
